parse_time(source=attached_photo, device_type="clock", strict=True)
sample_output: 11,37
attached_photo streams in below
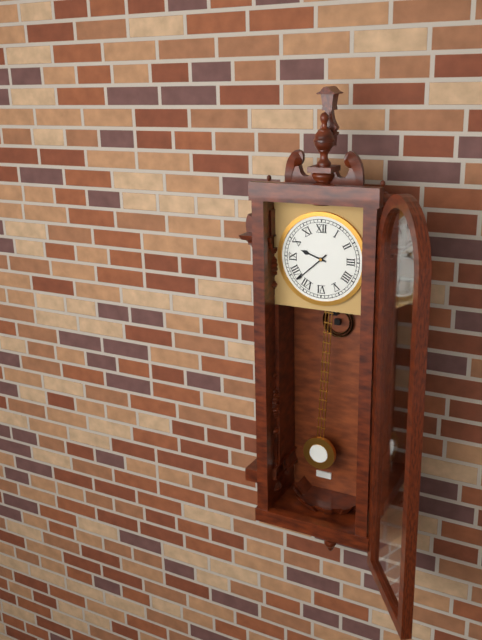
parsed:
9,38
